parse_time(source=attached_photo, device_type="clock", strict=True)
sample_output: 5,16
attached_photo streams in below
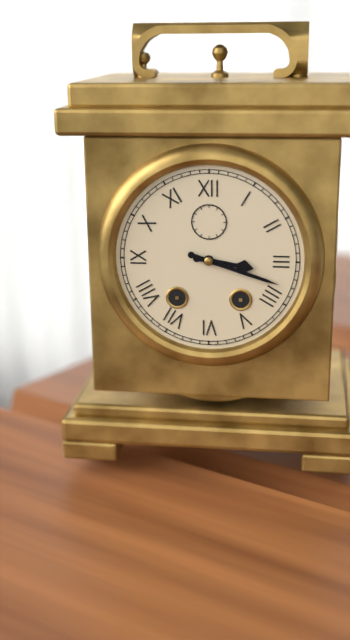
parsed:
3,18
